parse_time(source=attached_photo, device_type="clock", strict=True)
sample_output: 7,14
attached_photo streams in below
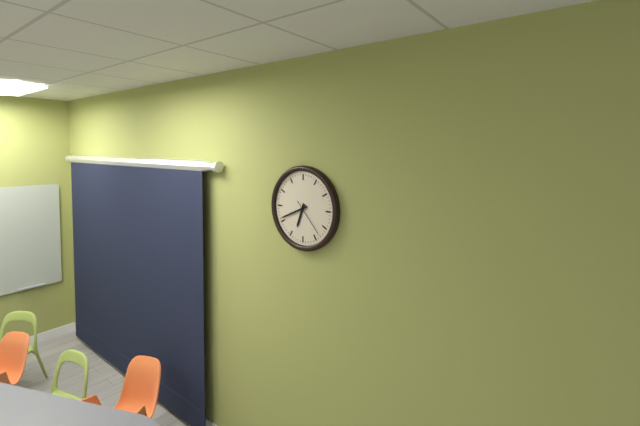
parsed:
6,41
